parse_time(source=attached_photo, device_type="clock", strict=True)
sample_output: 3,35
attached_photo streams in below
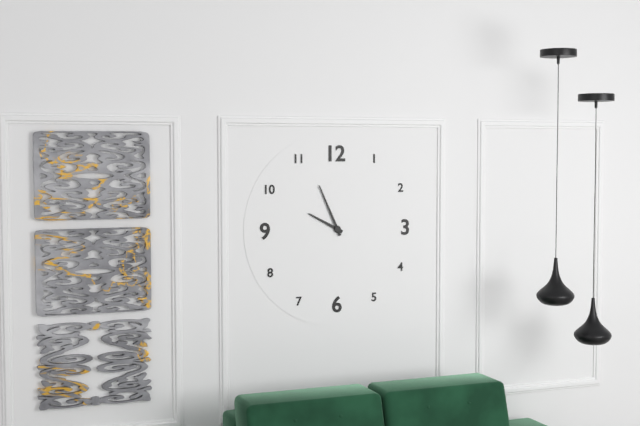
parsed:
9,56
